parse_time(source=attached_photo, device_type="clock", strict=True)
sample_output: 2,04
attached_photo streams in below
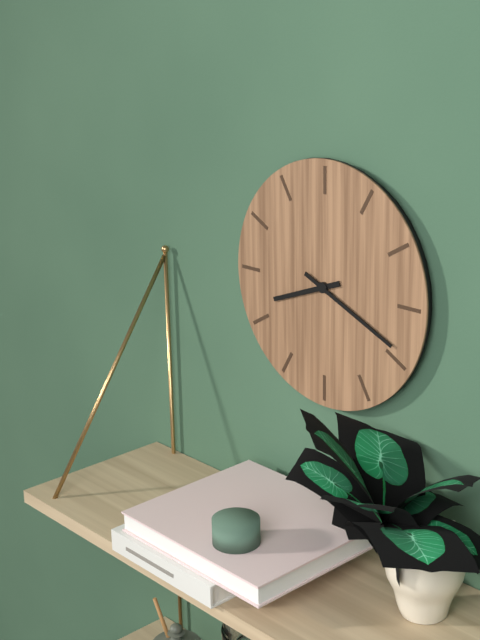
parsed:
8,19
